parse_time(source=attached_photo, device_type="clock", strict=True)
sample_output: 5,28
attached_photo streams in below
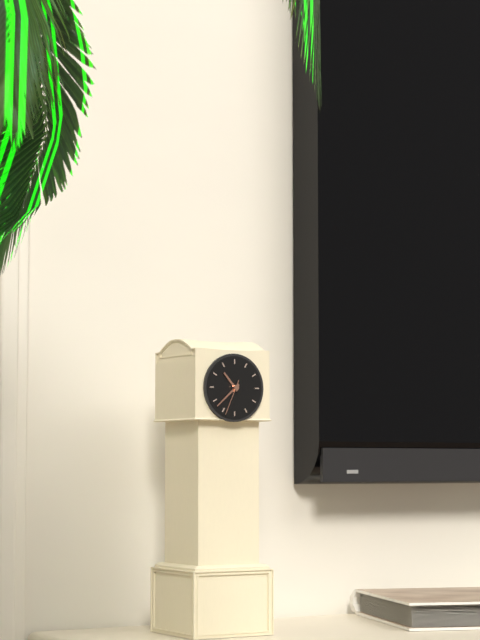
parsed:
10,38
